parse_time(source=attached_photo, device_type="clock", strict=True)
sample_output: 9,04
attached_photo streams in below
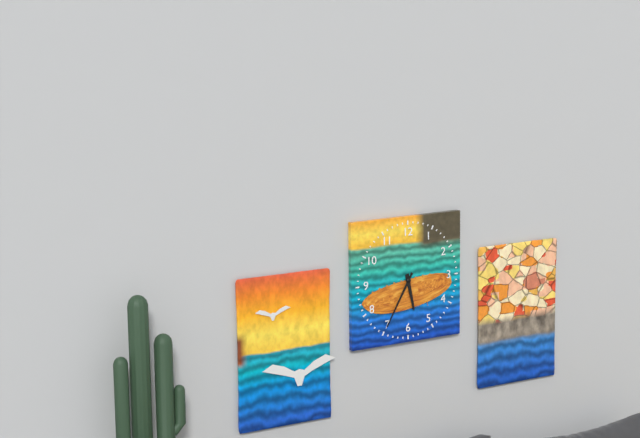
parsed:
5,35
